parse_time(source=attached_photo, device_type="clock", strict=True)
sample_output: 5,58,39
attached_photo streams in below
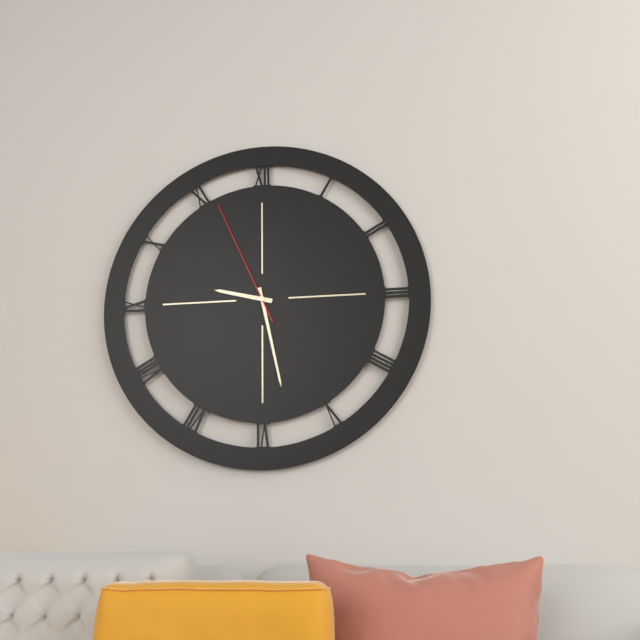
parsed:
9,28,56
